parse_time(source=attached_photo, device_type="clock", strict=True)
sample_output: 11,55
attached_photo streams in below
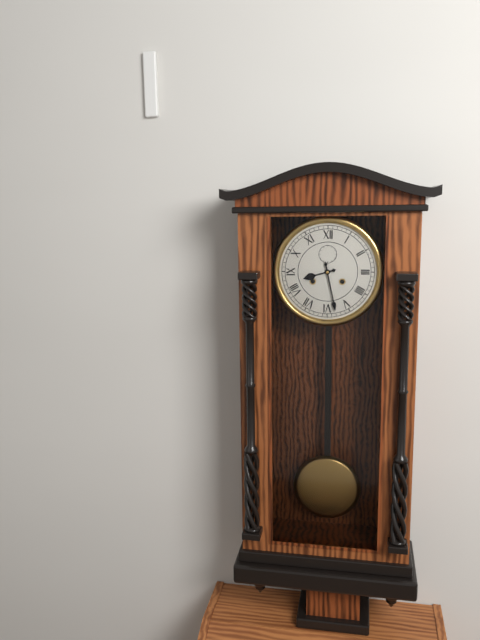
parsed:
8,28
